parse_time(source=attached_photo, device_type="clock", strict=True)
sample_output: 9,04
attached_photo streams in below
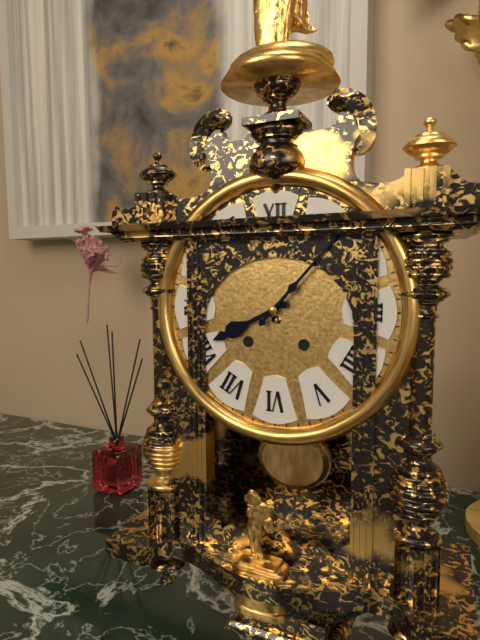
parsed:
8,07
